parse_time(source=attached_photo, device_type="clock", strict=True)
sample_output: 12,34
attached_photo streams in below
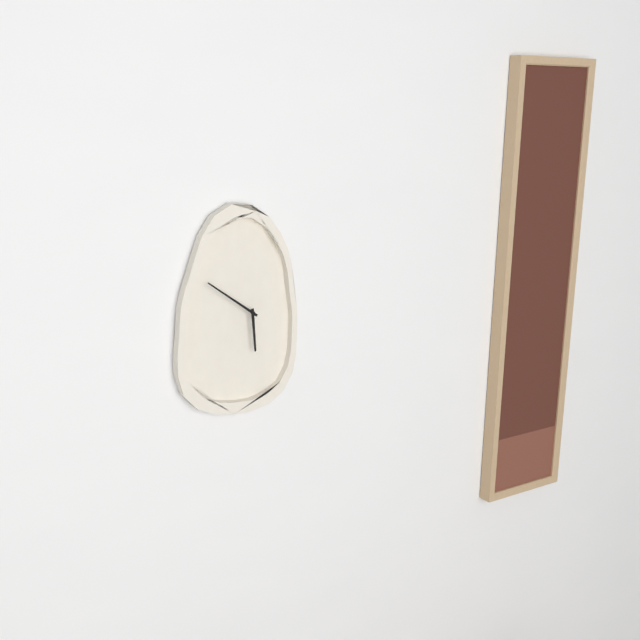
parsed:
5,51
